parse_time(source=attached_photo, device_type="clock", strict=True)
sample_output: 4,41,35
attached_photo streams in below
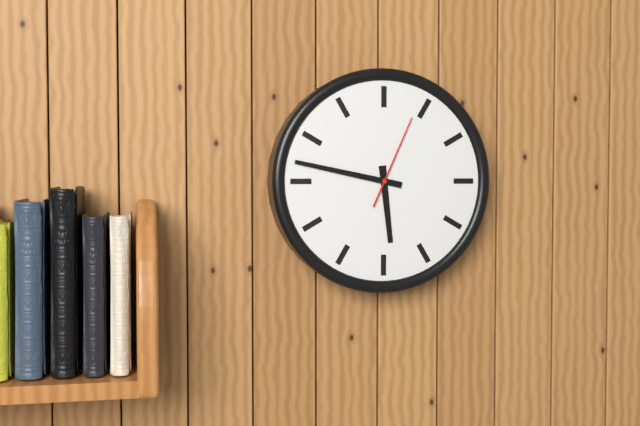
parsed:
5,47,04
